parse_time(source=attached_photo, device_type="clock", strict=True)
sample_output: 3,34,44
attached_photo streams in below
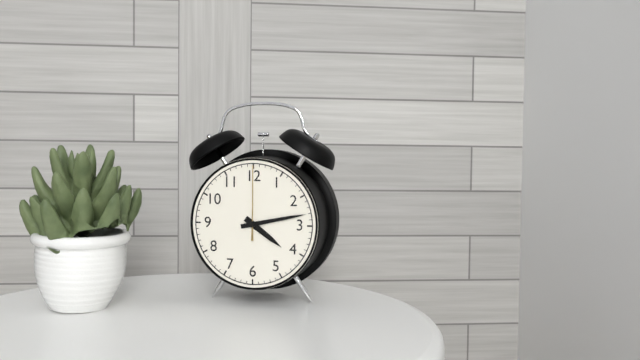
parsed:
4,13,00
